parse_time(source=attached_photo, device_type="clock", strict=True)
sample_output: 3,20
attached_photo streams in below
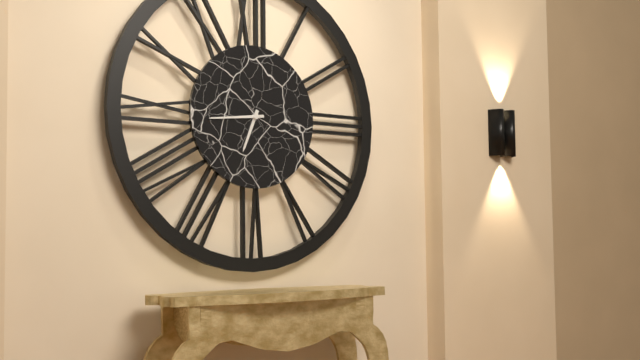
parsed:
6,44
